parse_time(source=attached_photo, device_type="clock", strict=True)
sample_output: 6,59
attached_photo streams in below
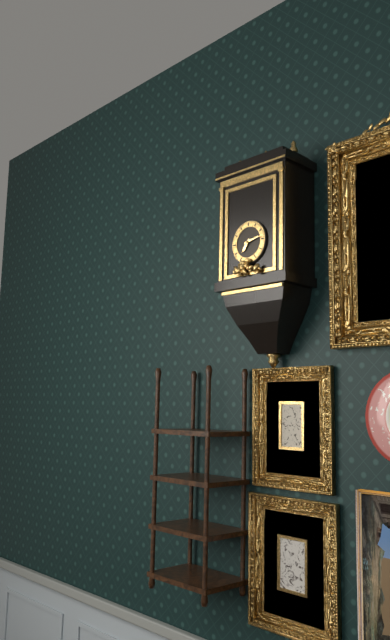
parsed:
7,13
